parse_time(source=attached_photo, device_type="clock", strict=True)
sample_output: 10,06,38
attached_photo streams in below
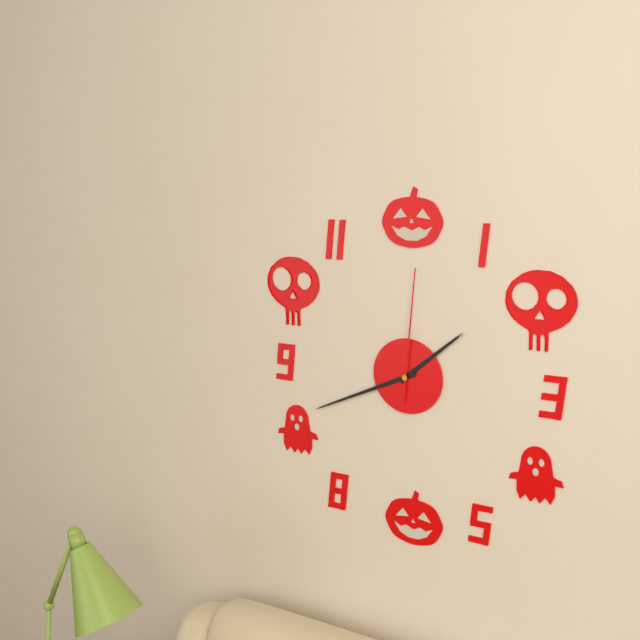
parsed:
1,41,01
